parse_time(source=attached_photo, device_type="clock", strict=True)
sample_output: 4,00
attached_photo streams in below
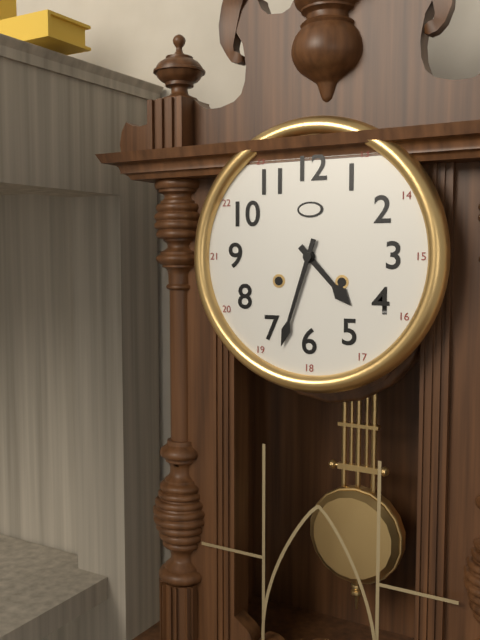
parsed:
4,33
